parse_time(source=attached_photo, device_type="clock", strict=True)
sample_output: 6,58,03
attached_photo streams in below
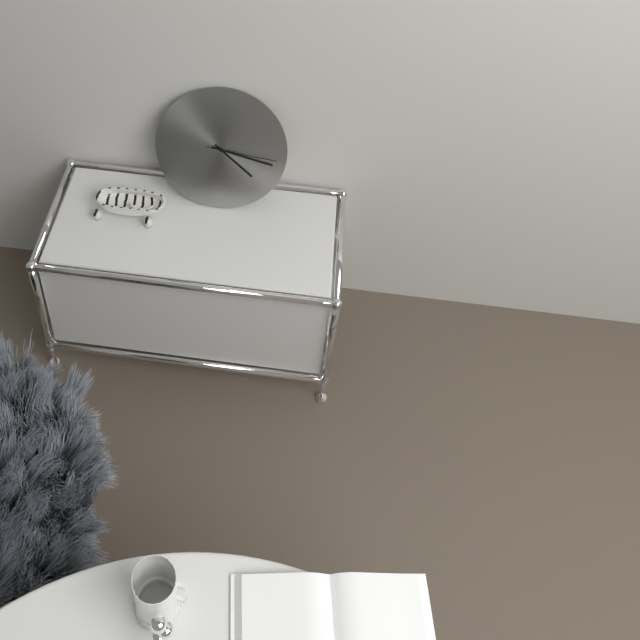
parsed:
4,17,16
